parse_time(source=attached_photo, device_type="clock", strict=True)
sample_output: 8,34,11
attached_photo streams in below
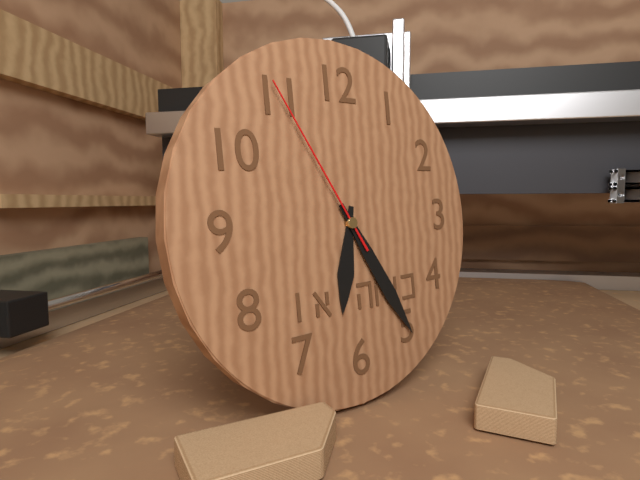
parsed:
6,25,55
